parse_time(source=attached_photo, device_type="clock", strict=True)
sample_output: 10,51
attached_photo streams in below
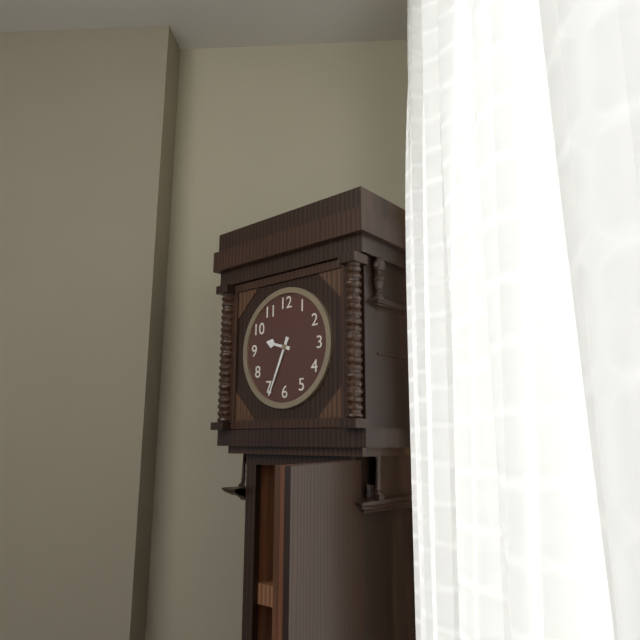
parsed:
9,34
